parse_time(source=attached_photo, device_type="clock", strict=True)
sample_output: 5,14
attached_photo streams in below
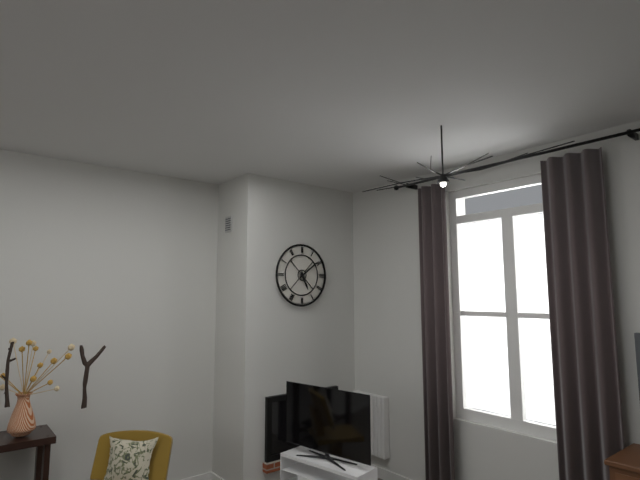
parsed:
5,09
